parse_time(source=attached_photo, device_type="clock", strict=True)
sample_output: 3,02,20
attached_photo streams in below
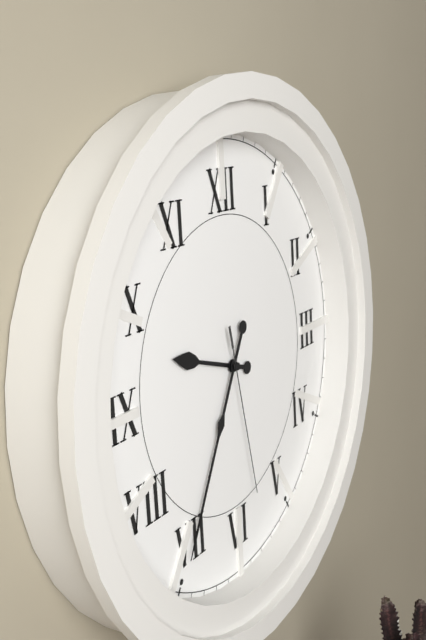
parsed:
9,35,28
